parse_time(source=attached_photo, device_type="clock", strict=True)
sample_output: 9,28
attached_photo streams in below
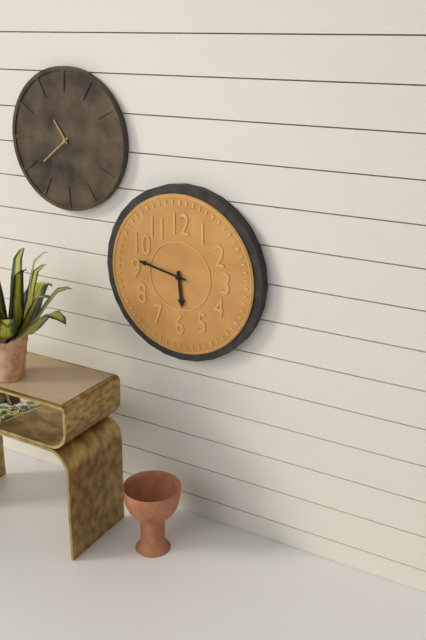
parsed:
5,47
